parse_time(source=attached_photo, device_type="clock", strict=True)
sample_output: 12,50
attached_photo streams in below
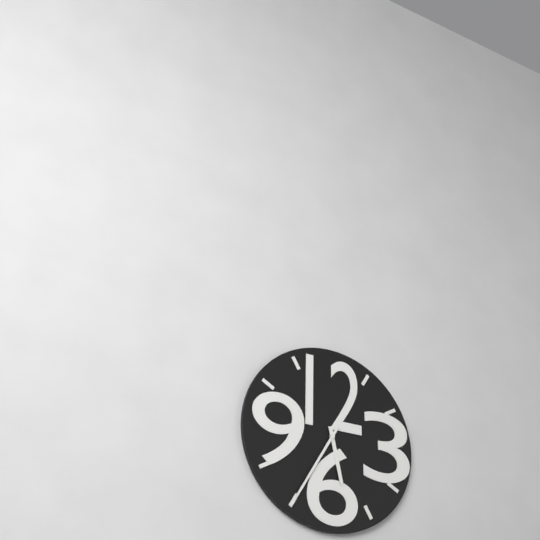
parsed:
5,35
